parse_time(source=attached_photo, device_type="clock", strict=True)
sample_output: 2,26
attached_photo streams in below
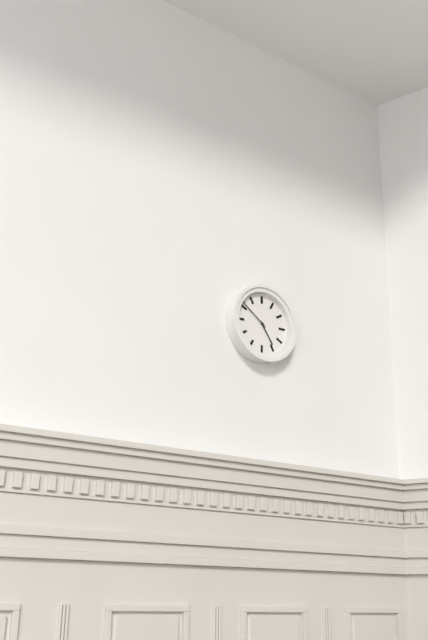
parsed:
4,51
